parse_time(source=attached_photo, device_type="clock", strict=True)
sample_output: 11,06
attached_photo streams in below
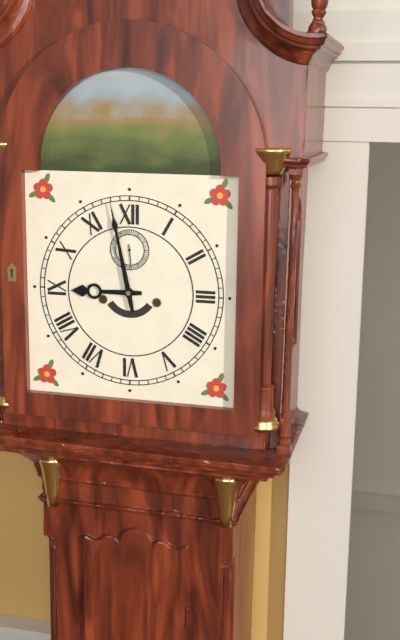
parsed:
8,58
